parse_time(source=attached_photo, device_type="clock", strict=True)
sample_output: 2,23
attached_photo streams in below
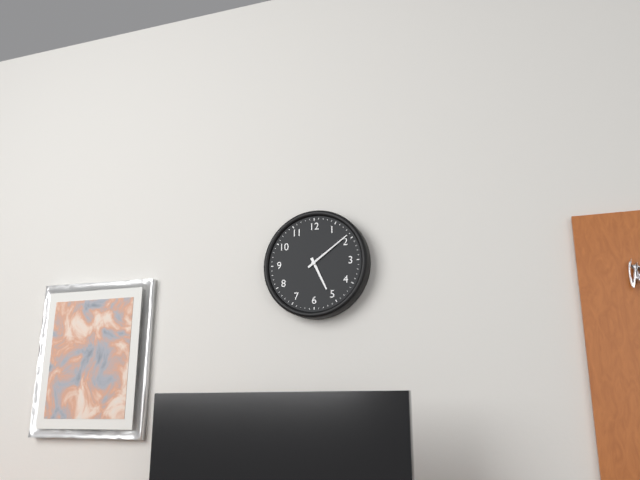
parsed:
5,09
